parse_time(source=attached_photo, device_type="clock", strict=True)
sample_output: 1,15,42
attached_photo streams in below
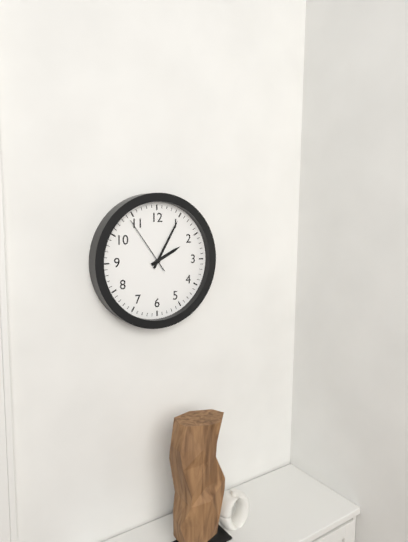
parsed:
2,05,54
